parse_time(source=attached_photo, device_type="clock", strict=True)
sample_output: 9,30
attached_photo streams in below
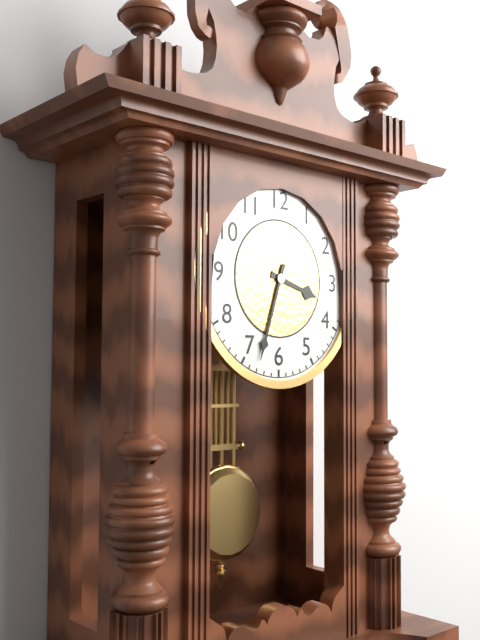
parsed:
3,33
